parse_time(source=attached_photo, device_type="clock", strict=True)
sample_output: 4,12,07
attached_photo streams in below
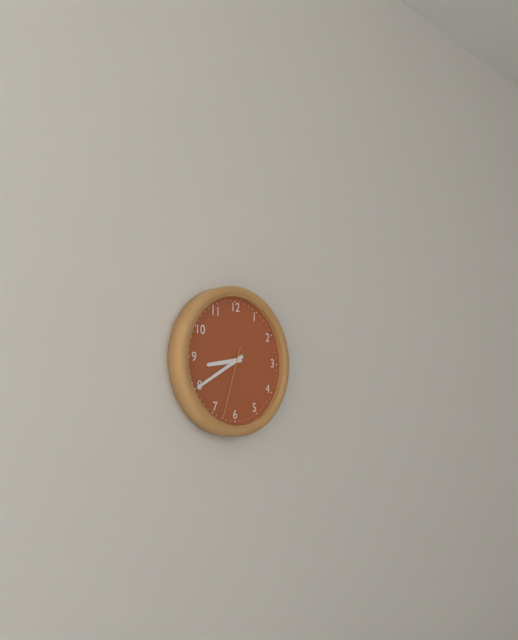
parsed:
8,40,33
